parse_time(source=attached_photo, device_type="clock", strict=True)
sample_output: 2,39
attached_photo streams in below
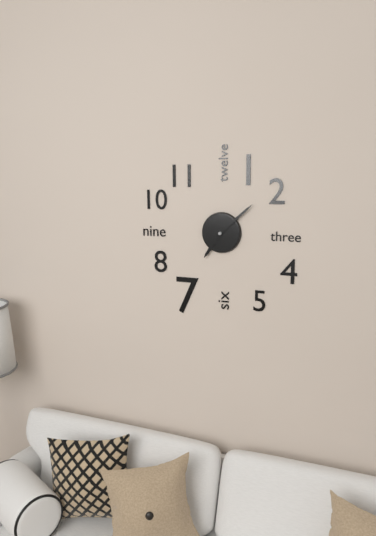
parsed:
7,08
